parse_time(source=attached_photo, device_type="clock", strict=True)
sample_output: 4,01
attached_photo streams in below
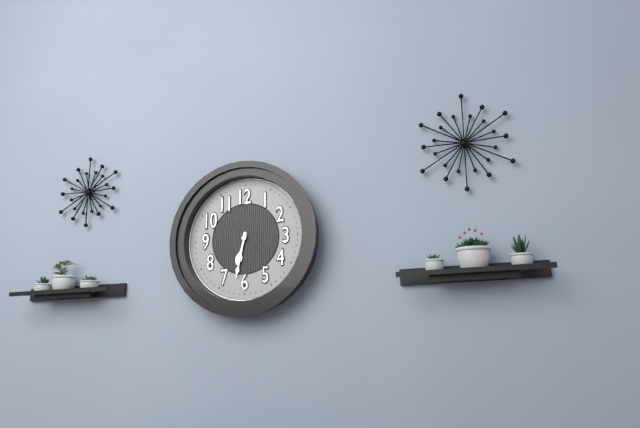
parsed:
6,32
